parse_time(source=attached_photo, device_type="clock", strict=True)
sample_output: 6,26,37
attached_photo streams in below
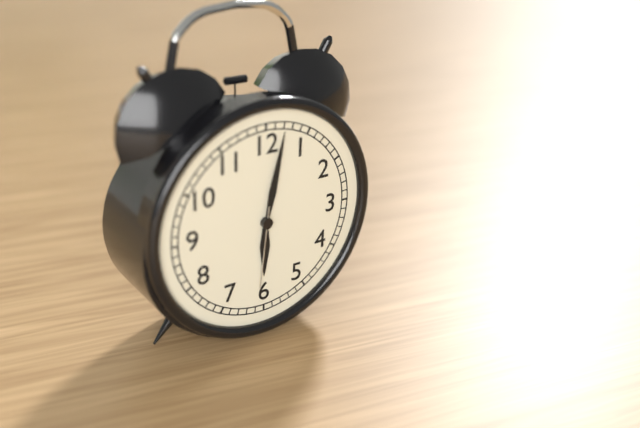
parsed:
6,02,31
